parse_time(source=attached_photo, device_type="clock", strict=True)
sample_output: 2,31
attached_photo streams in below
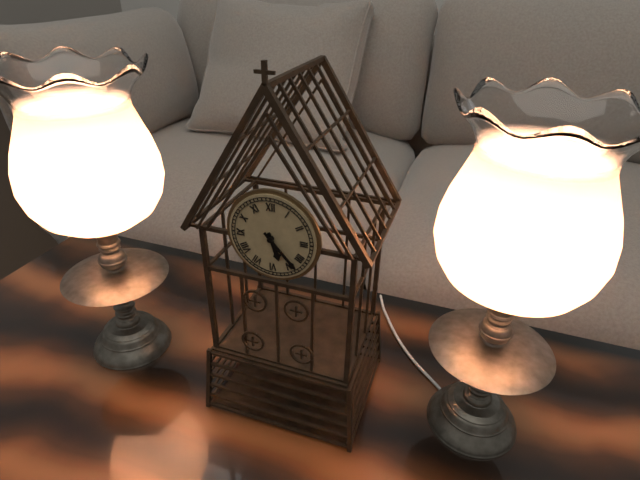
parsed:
5,23
